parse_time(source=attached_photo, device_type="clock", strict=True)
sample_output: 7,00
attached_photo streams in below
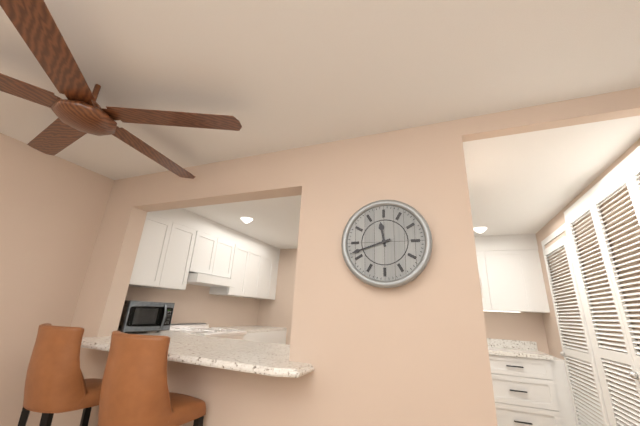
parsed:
11,42
